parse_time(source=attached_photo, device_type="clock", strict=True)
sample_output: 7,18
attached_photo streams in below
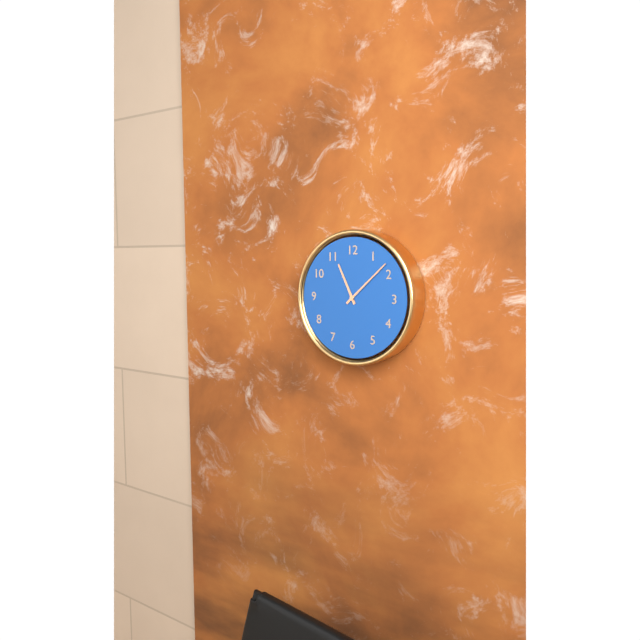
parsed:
11,08
